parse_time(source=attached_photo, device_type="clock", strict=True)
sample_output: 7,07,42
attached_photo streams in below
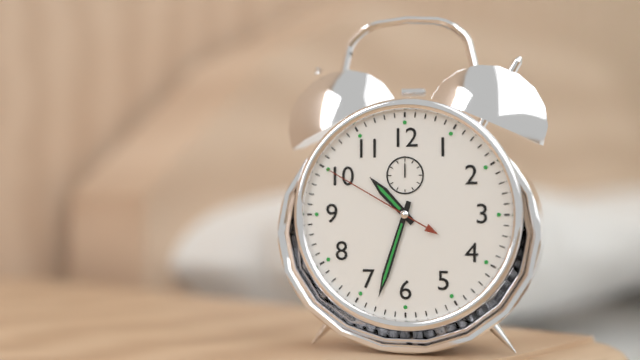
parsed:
10,33,50
